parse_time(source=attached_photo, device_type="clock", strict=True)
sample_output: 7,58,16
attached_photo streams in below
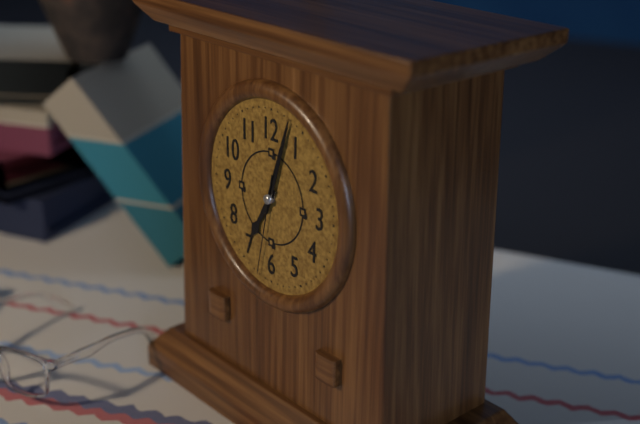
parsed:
7,03,32
